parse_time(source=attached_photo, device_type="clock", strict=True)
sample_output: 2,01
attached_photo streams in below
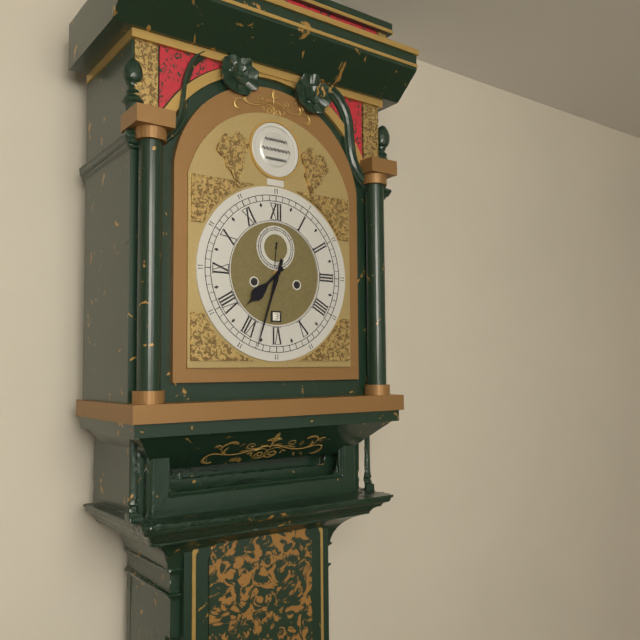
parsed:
7,33
